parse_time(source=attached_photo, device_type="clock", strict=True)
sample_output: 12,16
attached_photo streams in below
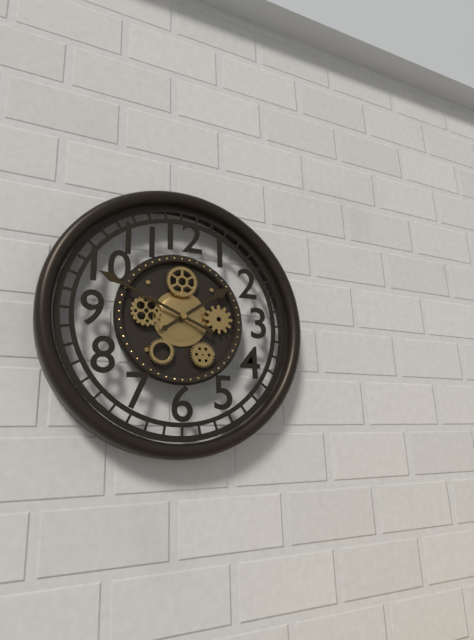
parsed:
1,49
